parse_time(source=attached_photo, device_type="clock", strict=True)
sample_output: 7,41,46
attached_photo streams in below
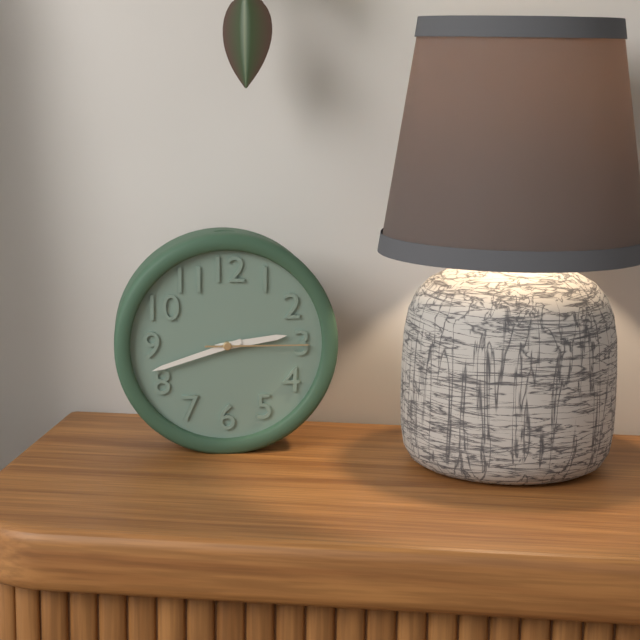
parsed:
2,42,15
